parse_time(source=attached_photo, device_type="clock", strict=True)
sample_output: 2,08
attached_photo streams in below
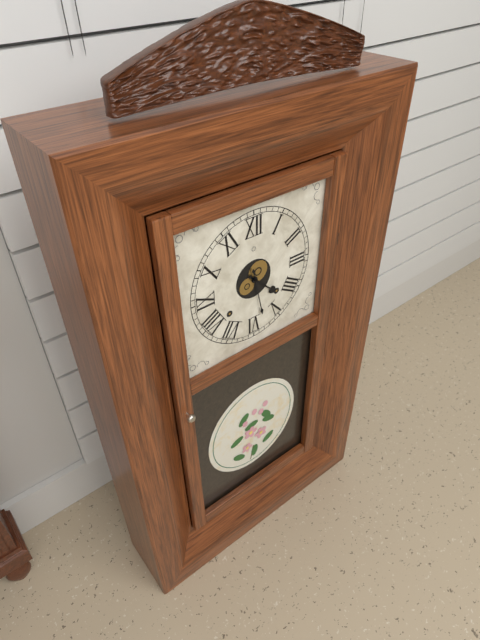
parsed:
4,28
